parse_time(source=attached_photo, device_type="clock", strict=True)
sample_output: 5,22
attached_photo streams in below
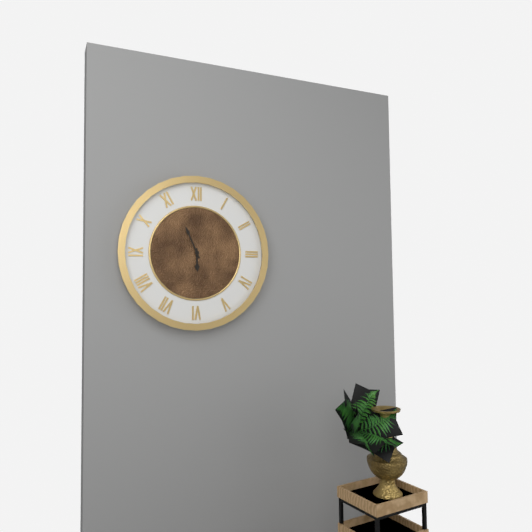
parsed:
5,56
